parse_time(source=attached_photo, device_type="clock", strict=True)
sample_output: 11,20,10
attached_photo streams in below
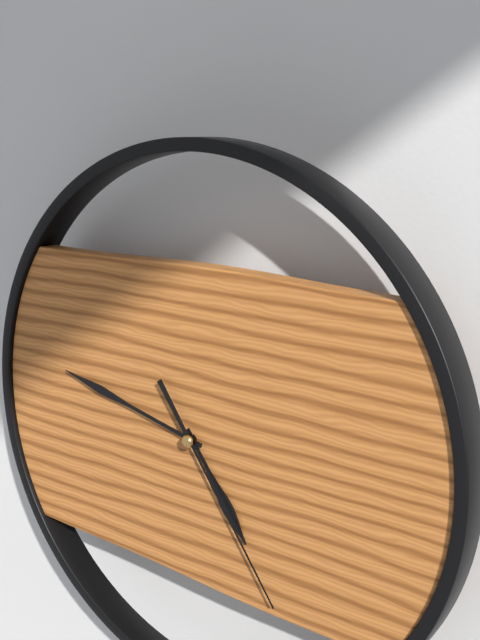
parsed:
4,47,24
